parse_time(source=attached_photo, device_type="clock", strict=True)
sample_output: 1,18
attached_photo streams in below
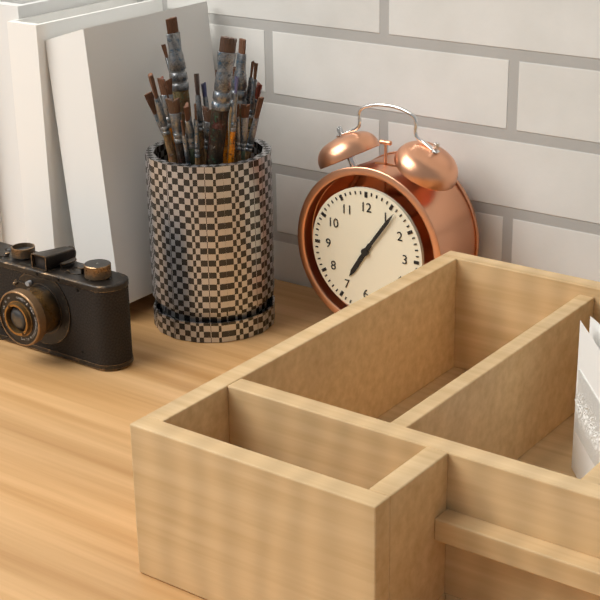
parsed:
7,06
